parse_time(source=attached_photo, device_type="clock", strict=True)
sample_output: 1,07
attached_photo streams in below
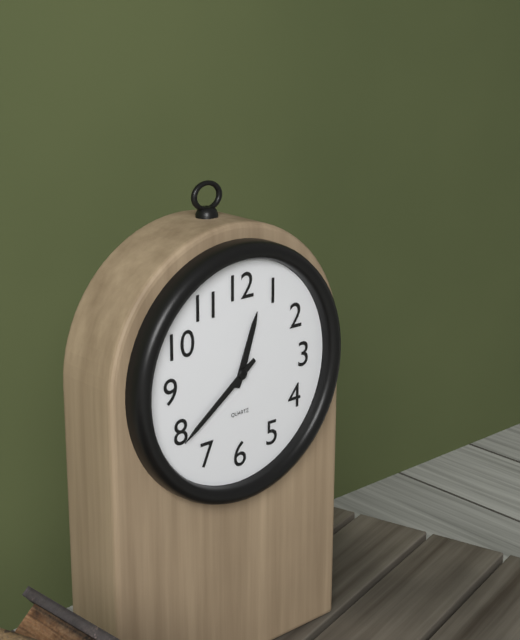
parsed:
12,39
